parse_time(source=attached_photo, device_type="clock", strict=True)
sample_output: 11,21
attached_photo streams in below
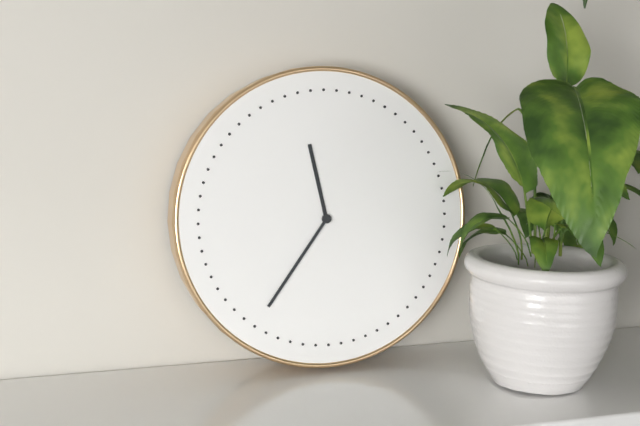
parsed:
11,36
